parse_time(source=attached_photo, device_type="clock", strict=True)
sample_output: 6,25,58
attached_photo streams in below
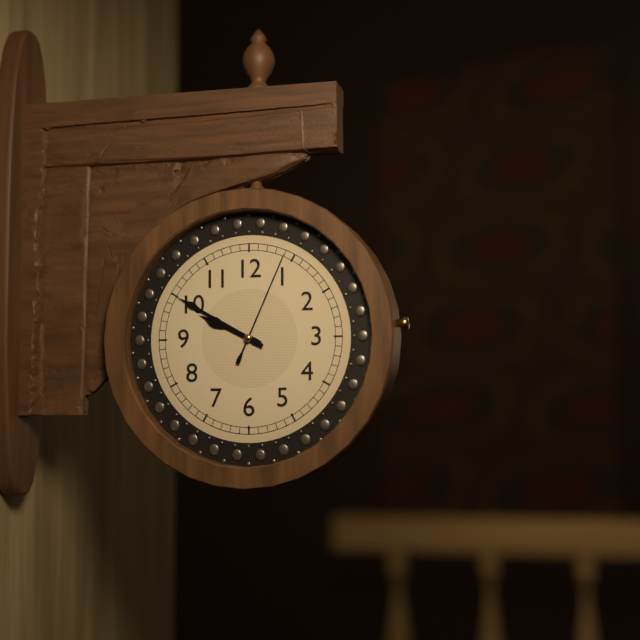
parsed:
9,50,04
